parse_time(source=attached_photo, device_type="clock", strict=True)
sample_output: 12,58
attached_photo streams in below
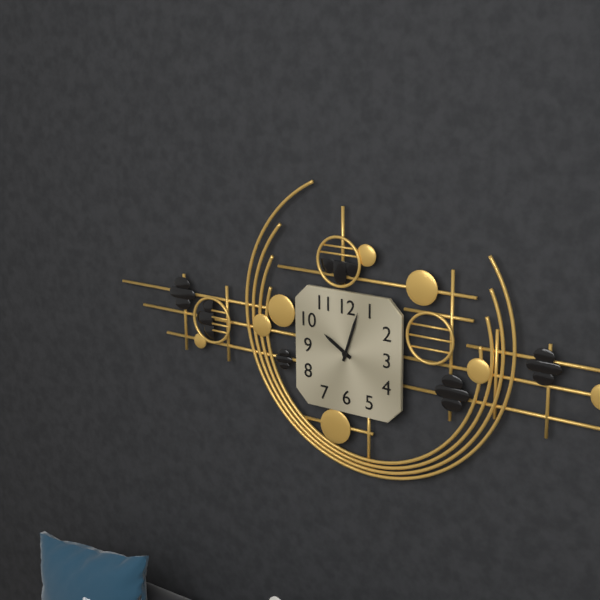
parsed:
10,03
